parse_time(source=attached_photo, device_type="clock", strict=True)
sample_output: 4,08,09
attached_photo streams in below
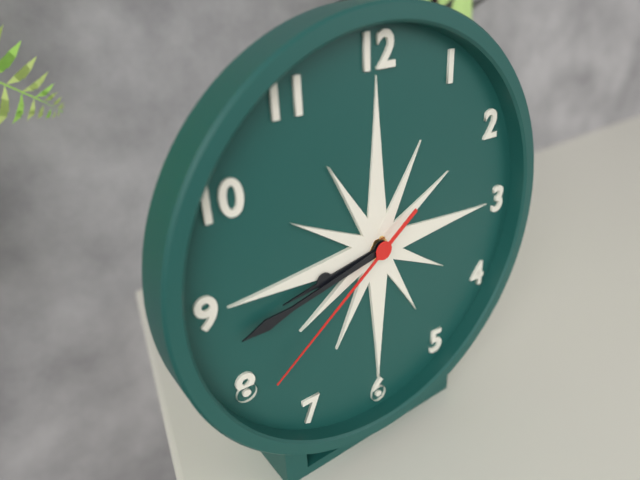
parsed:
8,43,39
